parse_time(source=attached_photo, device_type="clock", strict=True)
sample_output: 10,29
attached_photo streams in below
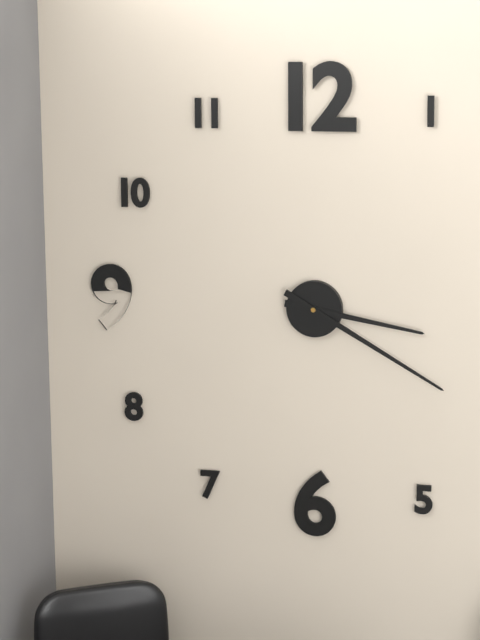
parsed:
3,20
